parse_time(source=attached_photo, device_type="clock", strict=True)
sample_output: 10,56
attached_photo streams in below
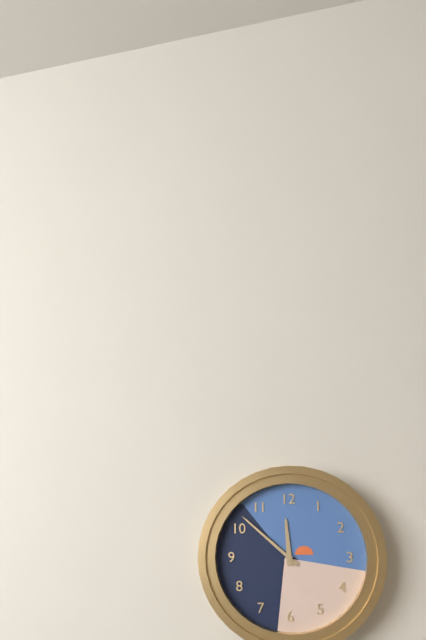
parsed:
11,52
